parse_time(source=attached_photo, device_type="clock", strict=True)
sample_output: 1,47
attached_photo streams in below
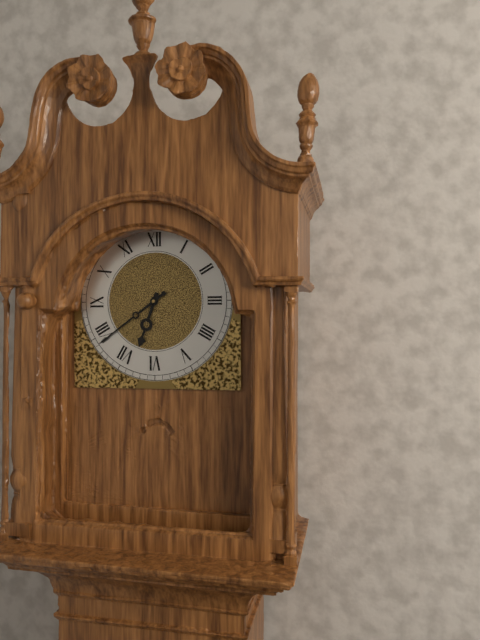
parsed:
6,39
